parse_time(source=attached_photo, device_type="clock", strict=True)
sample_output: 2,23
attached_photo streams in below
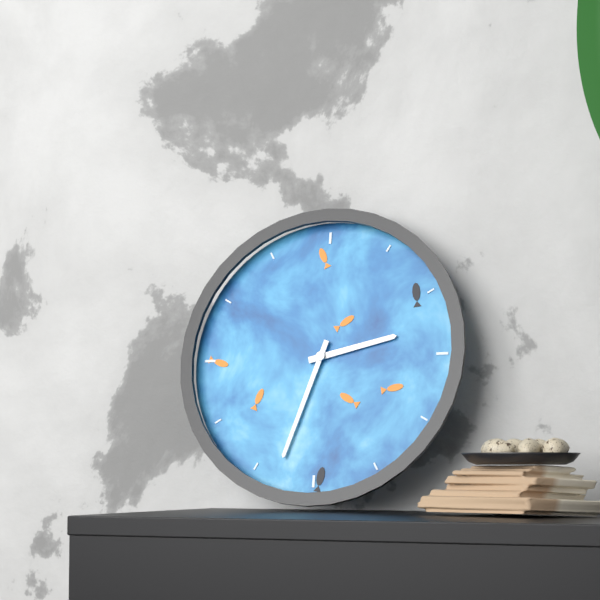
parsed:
2,33
